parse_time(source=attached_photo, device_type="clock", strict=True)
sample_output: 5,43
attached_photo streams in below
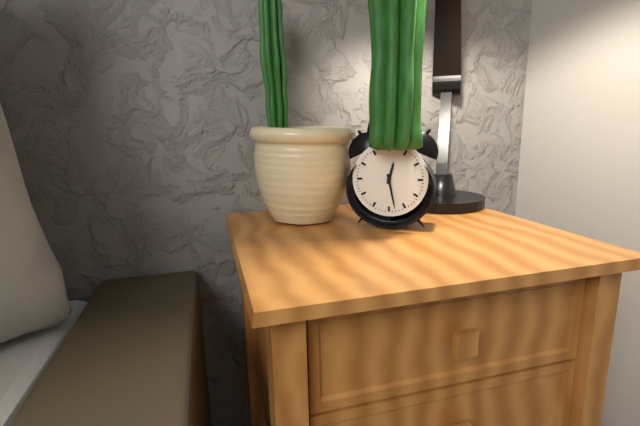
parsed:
12,28
